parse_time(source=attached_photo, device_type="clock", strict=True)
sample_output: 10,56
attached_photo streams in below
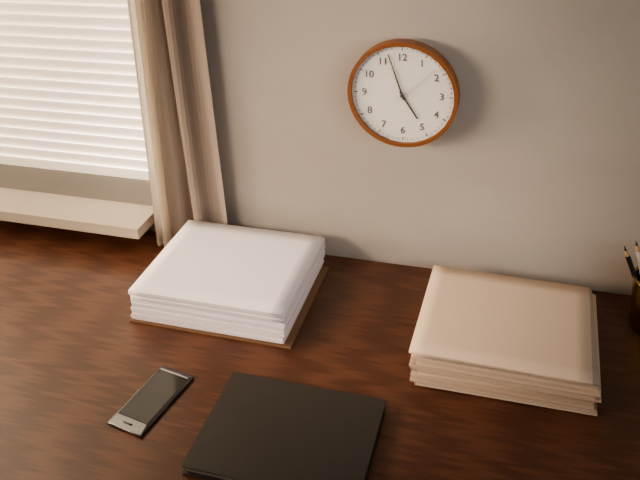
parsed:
4,57
